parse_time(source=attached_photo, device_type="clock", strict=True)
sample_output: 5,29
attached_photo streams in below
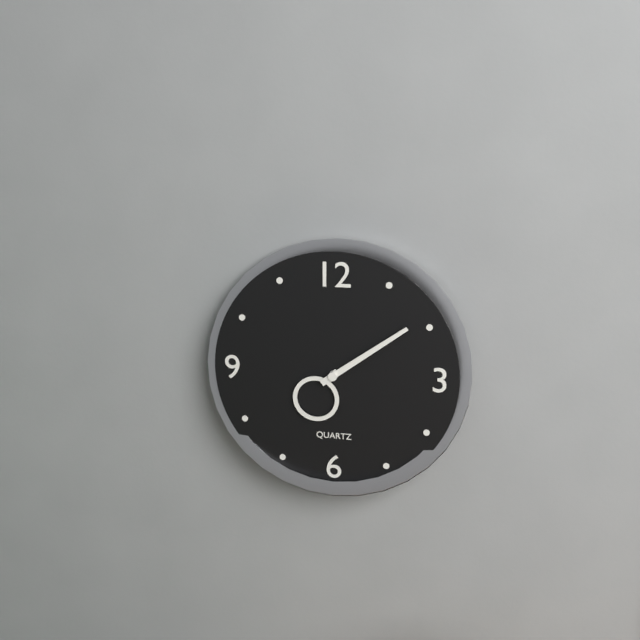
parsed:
7,09
